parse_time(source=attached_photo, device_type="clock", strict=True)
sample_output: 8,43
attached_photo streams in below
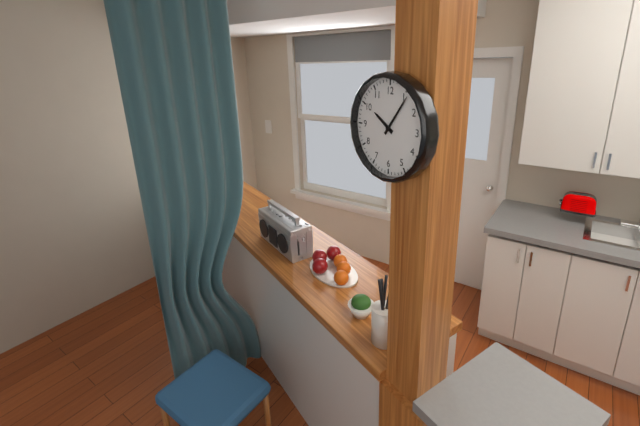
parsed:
10,06
